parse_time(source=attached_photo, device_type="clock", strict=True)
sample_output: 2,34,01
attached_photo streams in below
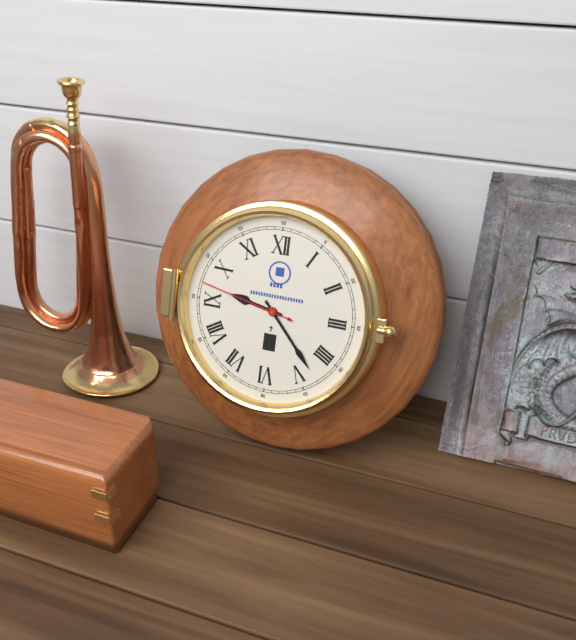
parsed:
9,23,47
